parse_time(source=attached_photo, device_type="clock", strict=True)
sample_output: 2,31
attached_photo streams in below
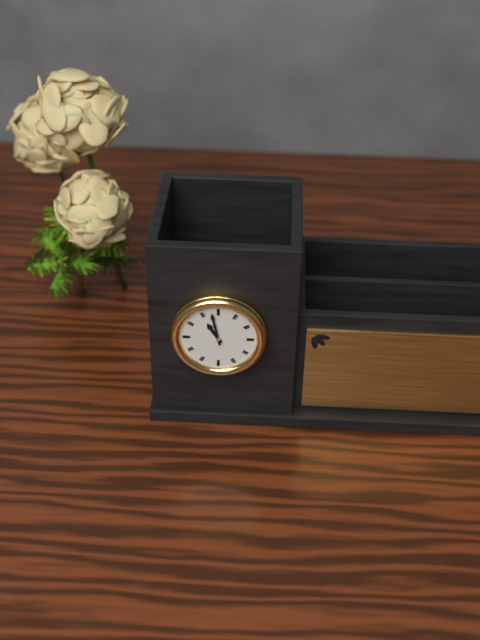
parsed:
10,58
